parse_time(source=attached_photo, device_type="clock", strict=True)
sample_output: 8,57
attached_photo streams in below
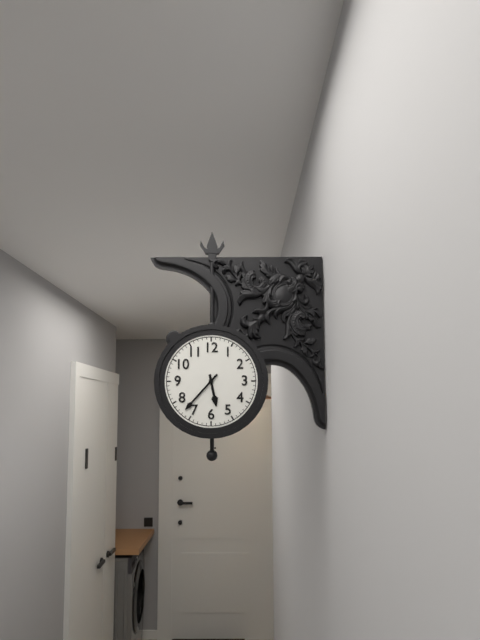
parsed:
5,37
